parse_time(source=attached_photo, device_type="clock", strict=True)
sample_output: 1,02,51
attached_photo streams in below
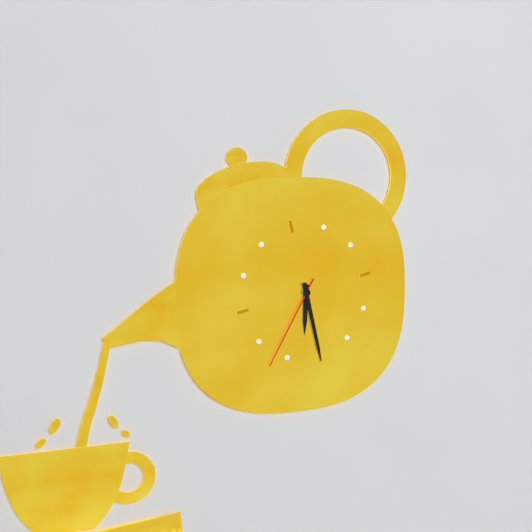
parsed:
6,30,37
